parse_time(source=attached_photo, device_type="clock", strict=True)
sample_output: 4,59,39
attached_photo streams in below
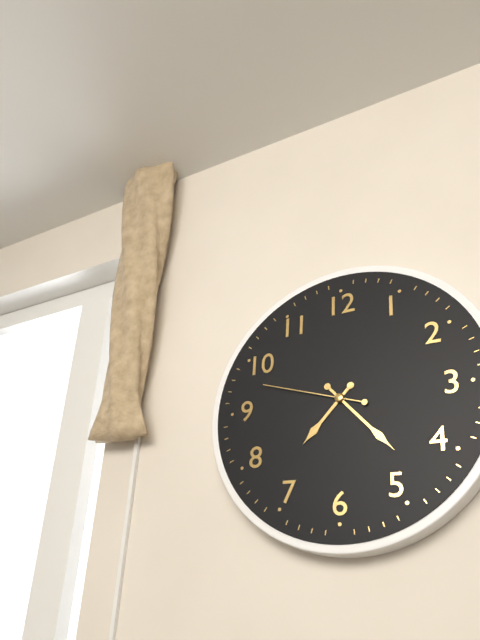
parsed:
7,23,48
